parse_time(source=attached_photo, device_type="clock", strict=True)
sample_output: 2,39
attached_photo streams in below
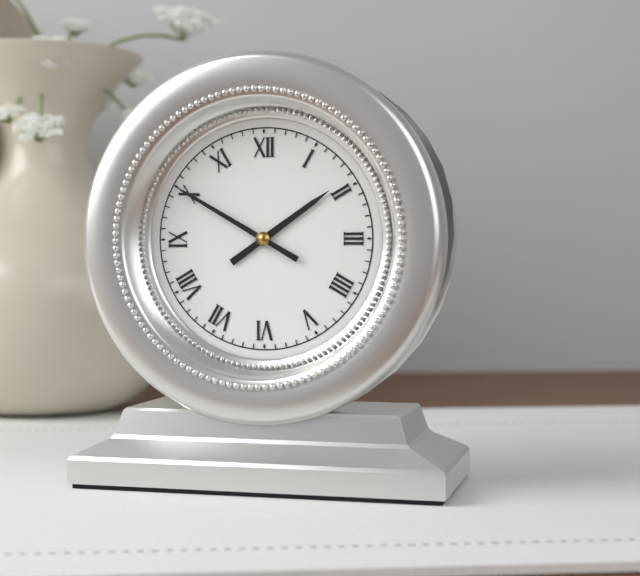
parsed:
1,50
